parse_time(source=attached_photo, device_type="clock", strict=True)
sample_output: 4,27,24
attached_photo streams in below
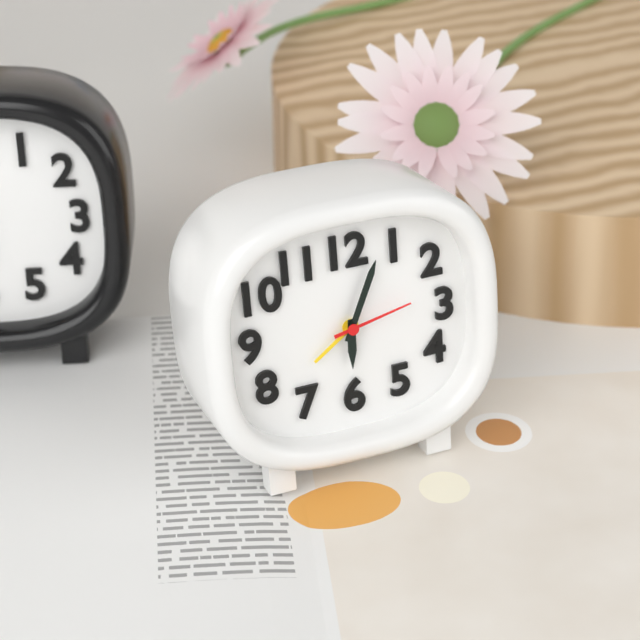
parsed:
6,04,13
